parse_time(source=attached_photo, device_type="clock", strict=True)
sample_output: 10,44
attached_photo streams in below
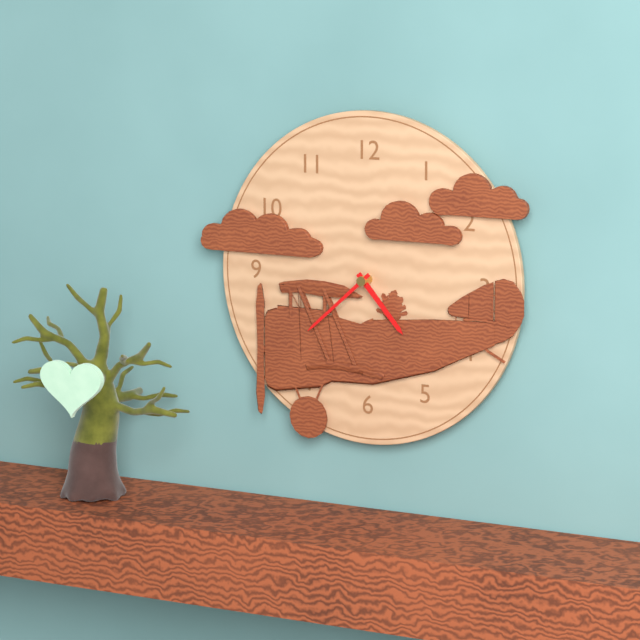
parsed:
4,38
